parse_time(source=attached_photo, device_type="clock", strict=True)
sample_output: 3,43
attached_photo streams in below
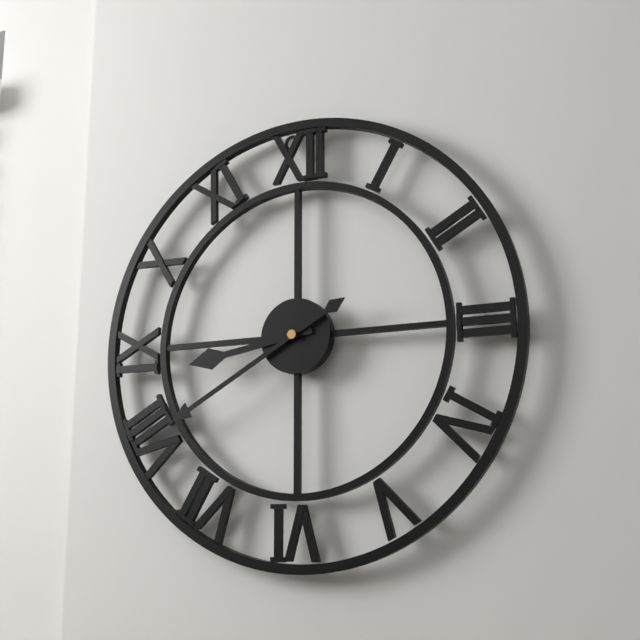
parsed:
8,40
